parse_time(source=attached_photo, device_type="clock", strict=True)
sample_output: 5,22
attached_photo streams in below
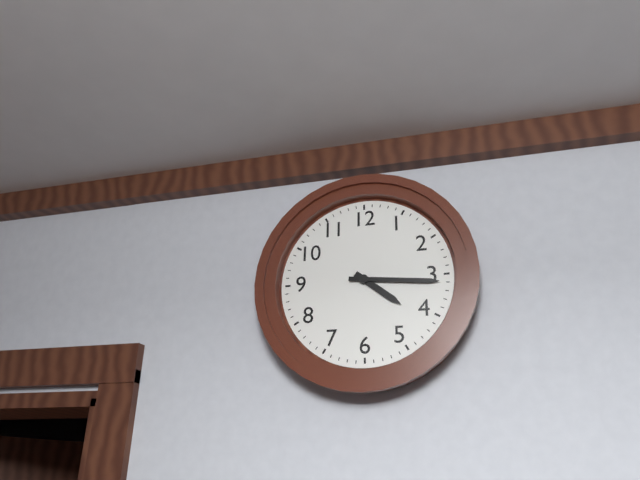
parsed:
4,16
